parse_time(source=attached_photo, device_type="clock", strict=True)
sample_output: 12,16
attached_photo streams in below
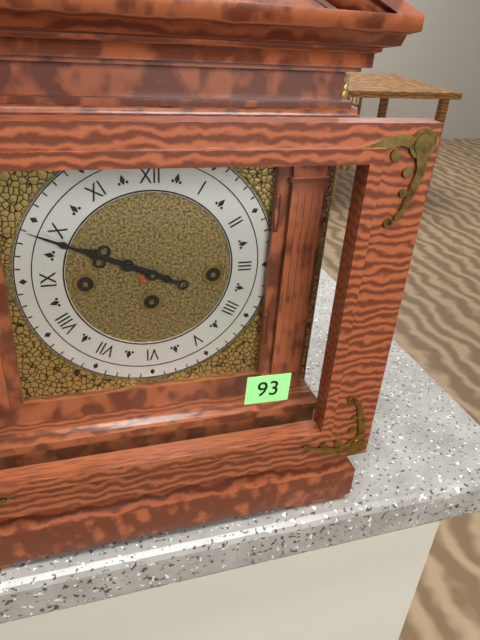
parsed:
9,49
